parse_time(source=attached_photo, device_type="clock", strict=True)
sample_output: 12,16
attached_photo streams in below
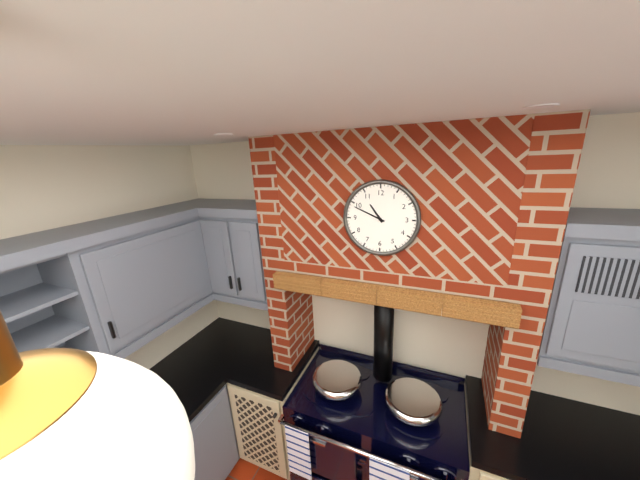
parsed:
10,49
